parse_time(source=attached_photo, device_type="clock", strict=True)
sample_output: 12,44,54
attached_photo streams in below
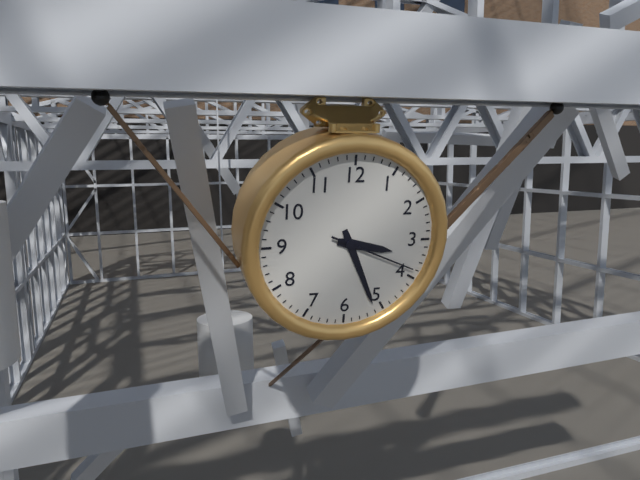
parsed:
3,26,19
